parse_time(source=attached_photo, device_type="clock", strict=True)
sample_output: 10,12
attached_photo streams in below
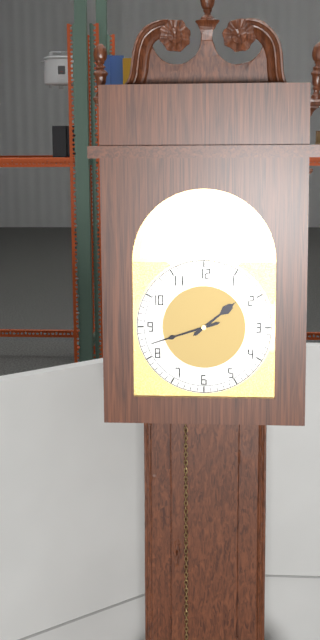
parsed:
1,42
